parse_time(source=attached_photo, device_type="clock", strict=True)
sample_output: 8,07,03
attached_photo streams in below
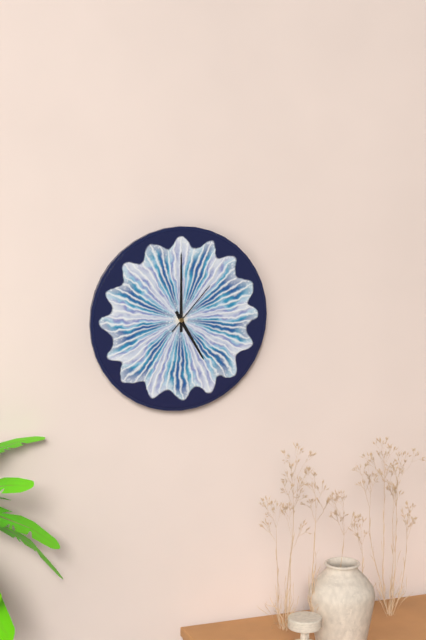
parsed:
5,00,07
